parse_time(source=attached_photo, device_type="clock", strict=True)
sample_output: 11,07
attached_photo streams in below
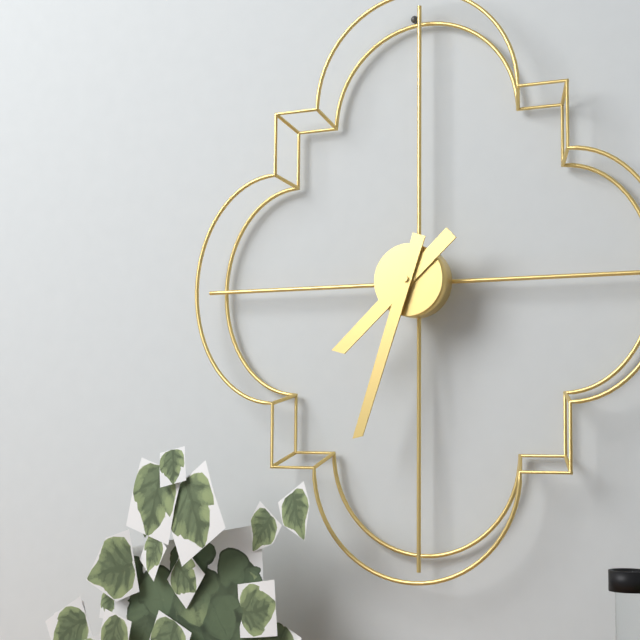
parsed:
7,33
